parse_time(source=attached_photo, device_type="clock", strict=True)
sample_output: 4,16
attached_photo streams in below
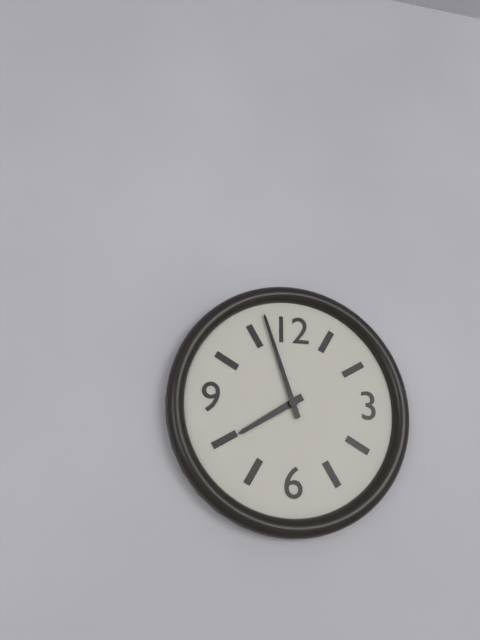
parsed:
7,57
